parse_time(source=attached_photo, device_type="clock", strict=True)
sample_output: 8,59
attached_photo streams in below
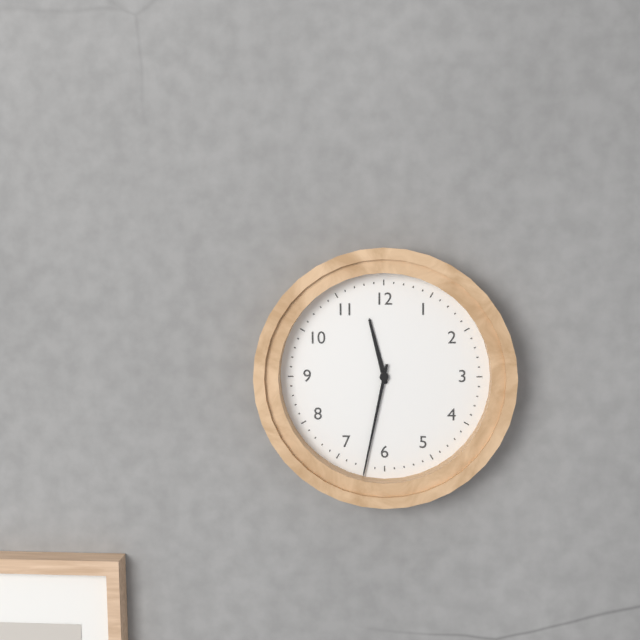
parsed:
11,32
